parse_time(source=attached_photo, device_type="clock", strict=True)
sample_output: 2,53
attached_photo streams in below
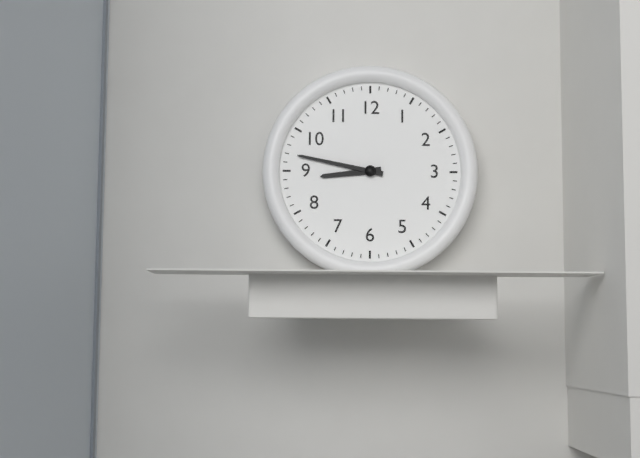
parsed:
8,47
